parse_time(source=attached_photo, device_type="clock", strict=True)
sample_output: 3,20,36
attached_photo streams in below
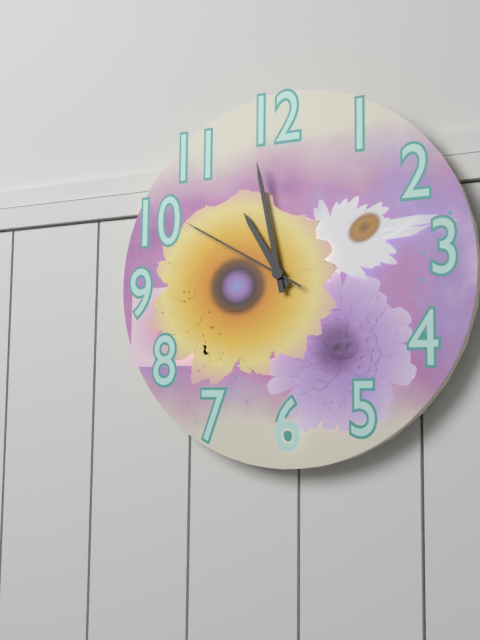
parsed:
10,58,50
